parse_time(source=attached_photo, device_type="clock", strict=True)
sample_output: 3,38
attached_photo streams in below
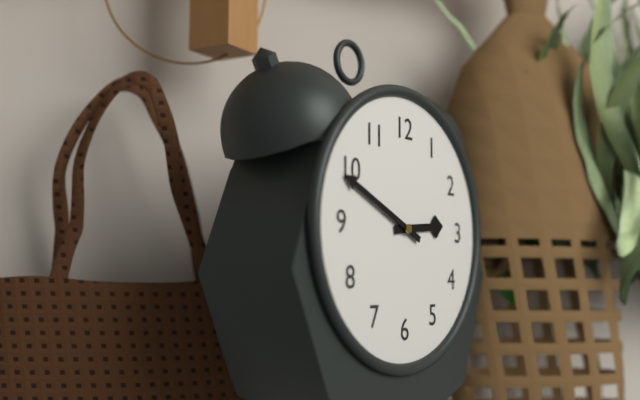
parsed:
2,49
